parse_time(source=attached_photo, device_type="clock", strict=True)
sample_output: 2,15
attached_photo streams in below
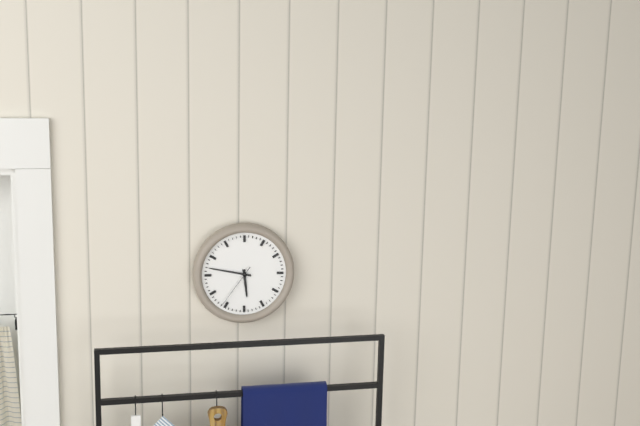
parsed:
5,47
